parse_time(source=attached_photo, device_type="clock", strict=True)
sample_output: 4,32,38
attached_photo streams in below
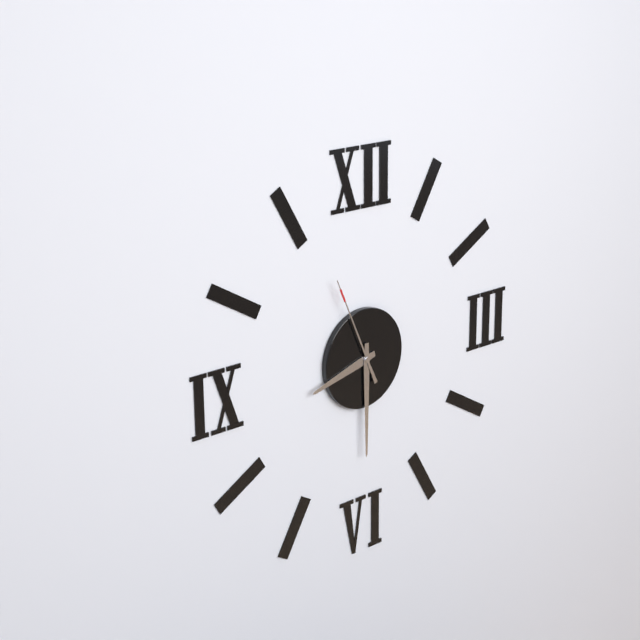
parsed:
8,30,56
